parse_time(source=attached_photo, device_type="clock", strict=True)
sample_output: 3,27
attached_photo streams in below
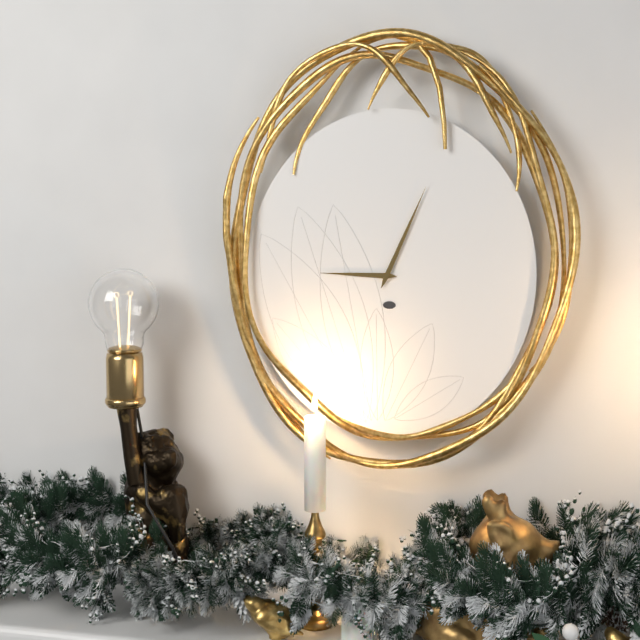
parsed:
9,04
